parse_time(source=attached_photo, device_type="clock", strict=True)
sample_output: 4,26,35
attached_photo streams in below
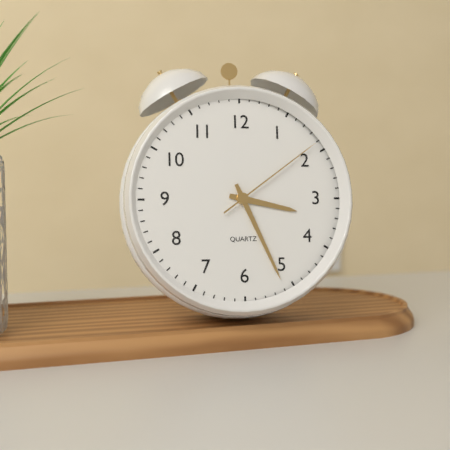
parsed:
3,26,09
